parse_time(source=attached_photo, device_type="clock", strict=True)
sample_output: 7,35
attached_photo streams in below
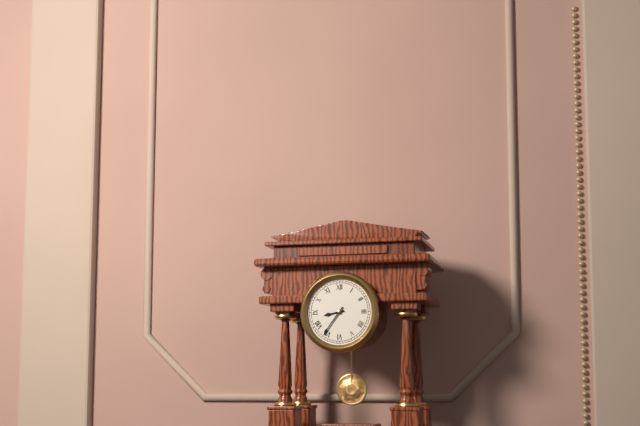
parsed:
8,36
